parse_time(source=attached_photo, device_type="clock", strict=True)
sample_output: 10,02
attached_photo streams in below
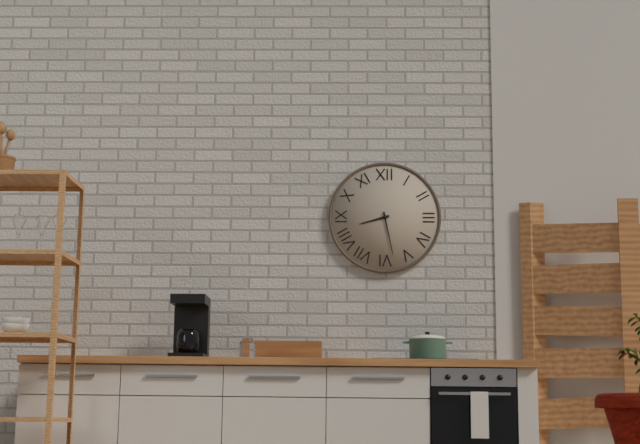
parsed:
8,28
